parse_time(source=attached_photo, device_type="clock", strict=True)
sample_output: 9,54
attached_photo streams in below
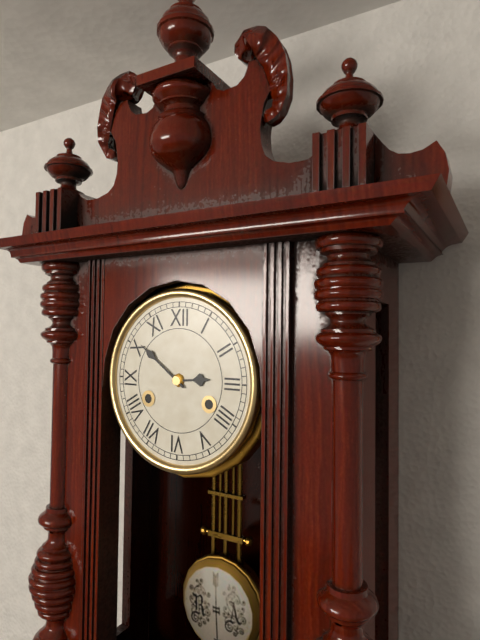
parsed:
2,51
